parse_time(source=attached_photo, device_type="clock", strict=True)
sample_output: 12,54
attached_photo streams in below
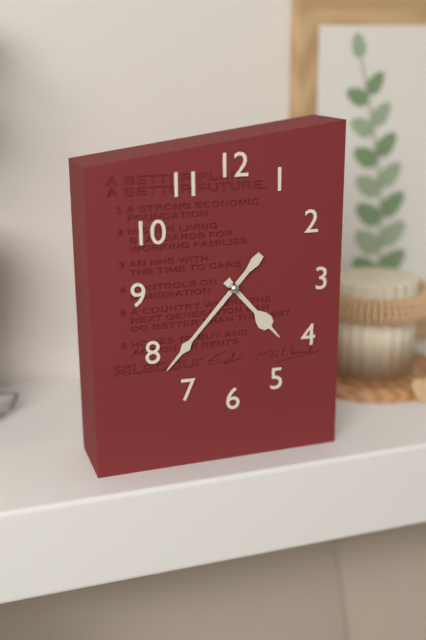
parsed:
4,37
